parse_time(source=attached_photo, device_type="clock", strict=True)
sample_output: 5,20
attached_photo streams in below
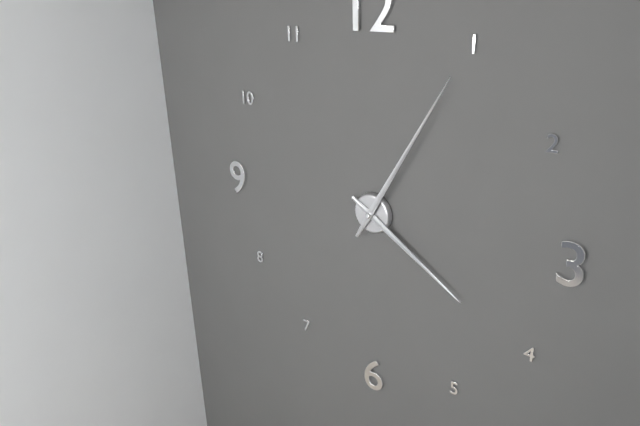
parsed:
4,05
